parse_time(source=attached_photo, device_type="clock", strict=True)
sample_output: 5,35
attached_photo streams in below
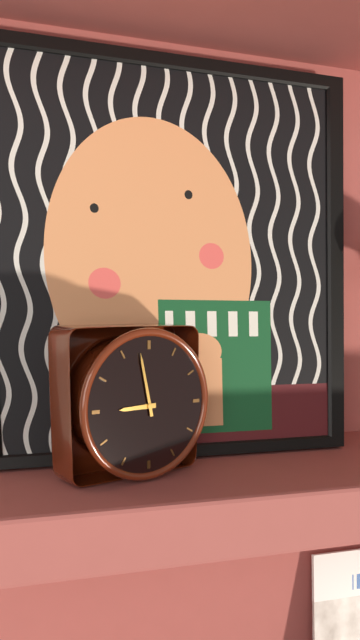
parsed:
8,58
